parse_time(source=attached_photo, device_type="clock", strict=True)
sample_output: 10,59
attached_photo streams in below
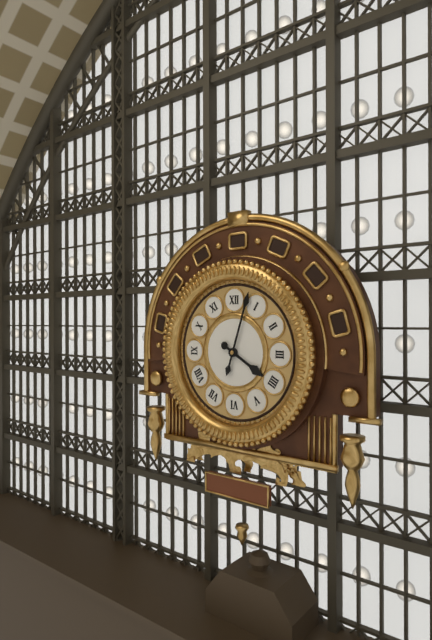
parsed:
4,03
